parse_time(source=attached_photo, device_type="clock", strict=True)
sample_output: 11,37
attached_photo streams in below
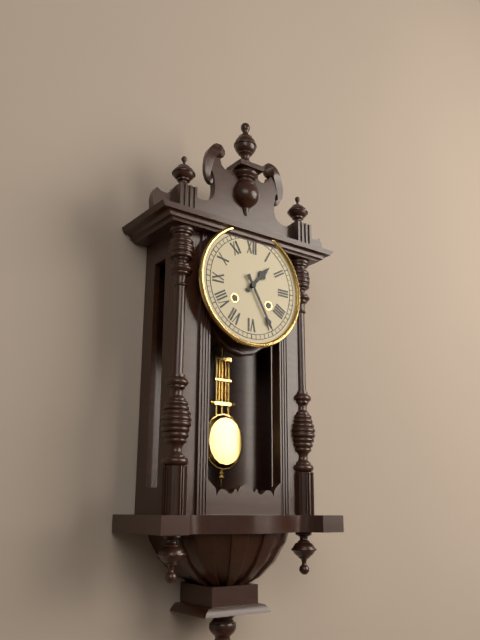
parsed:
1,25
